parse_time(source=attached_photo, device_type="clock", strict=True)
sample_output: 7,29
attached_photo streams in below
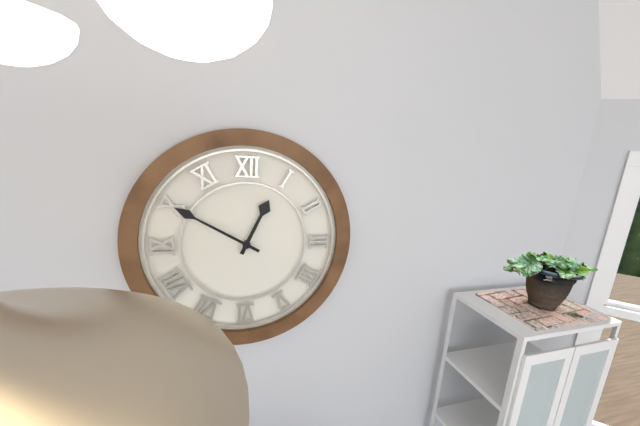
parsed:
12,50
